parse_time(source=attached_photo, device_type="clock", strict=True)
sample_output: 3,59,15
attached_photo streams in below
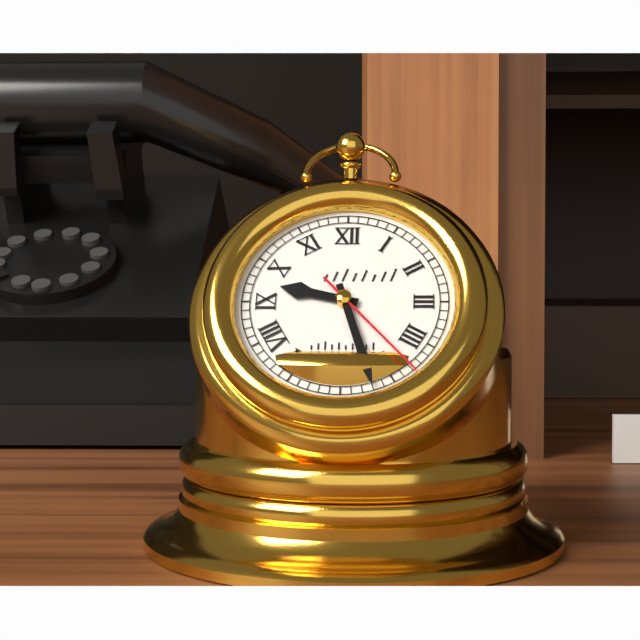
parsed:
9,27,23
